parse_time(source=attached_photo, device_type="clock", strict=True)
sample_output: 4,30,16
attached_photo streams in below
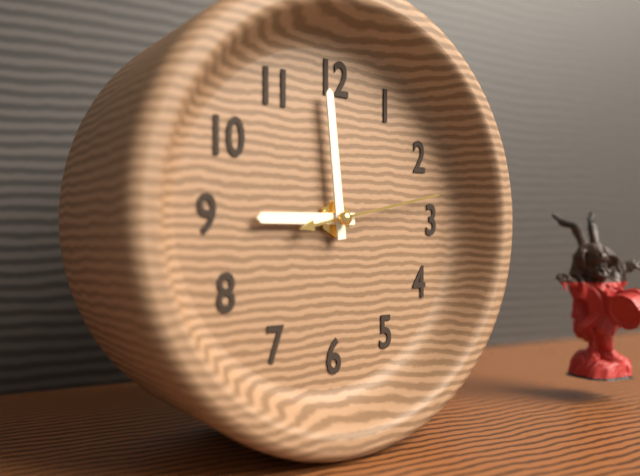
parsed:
8,59,13
